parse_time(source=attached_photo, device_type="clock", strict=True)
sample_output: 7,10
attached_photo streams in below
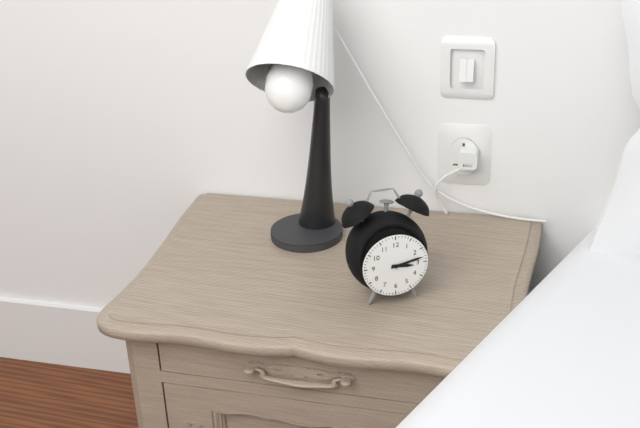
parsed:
3,13
